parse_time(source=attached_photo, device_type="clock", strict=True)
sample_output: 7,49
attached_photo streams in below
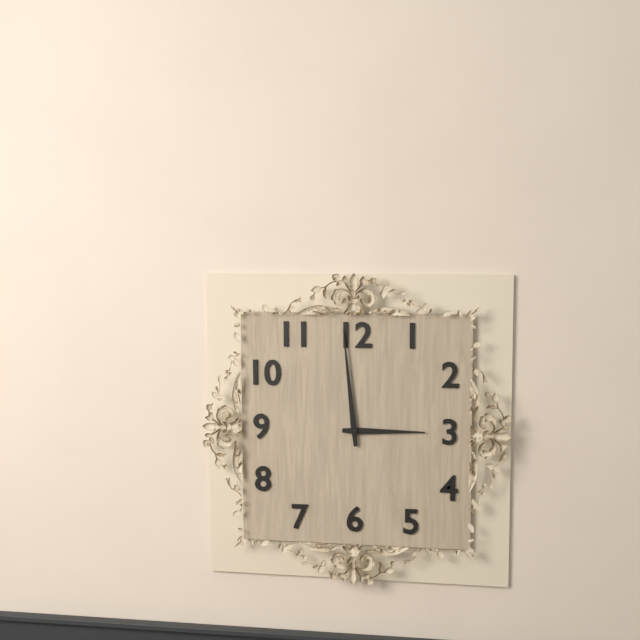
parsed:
2,59
